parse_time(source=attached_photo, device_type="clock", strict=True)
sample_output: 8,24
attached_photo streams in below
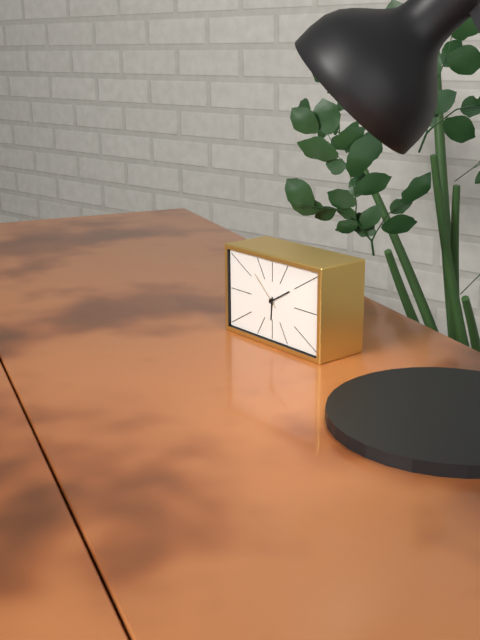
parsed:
6,10
